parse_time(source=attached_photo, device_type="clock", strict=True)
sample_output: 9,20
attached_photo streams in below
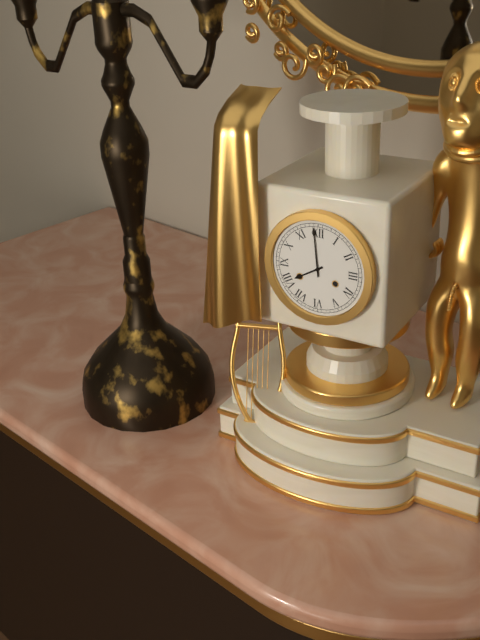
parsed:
7,59
